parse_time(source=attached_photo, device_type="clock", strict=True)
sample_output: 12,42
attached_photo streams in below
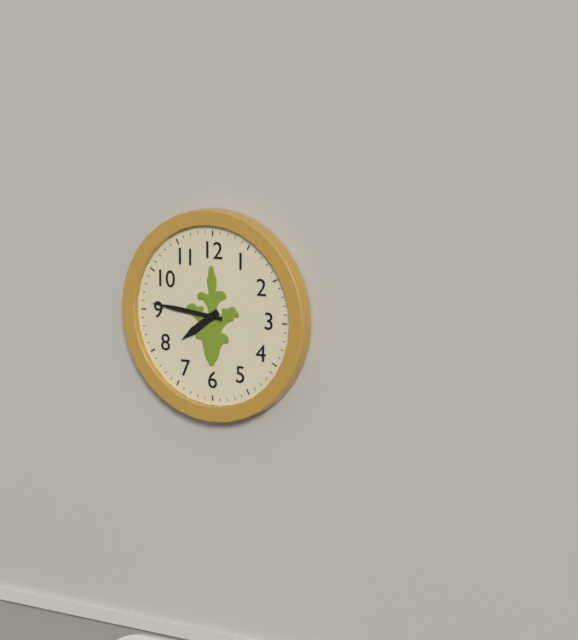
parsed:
7,46
